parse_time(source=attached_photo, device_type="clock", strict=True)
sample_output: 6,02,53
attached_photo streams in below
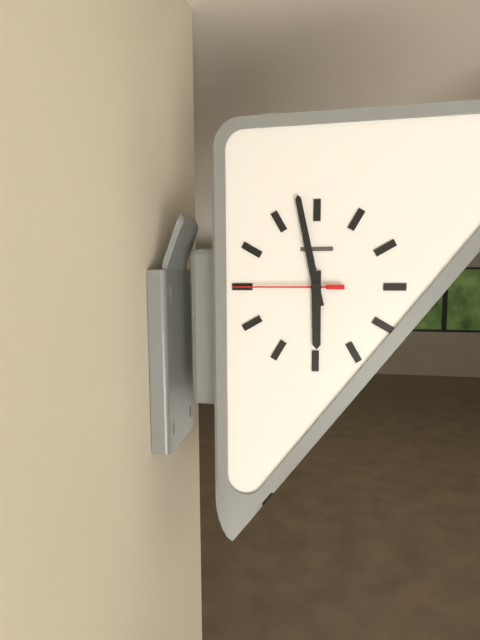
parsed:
5,58,45
